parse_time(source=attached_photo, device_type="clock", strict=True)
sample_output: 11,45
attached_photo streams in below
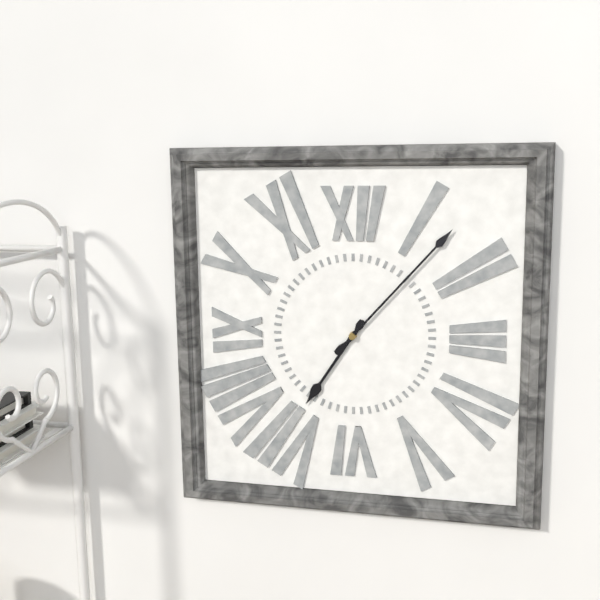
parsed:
7,07
